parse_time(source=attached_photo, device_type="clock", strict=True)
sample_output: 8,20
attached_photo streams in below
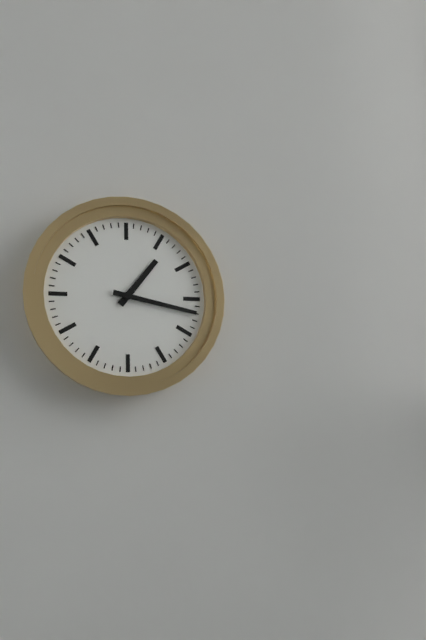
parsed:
1,17
